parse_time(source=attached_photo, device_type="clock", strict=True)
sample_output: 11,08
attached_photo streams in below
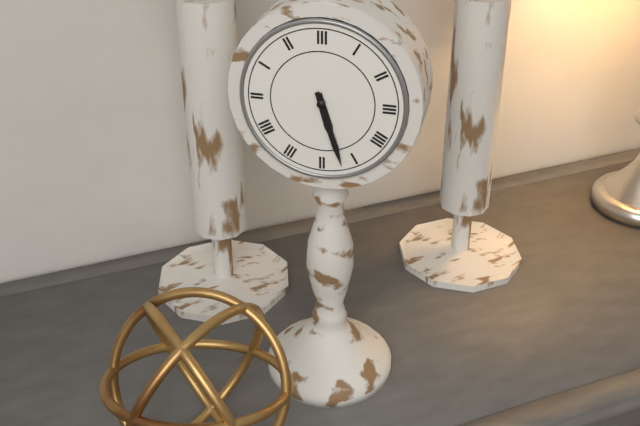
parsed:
5,27
